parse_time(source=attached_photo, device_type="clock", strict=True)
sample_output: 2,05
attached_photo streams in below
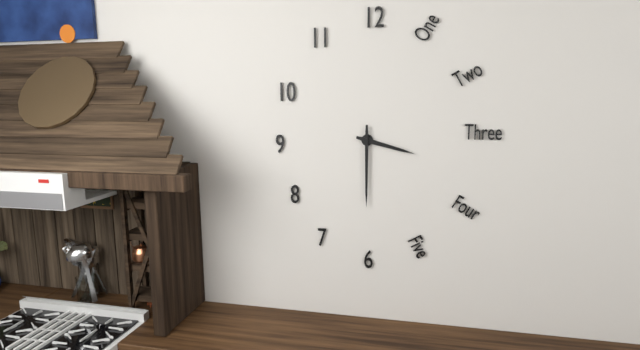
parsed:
3,30
